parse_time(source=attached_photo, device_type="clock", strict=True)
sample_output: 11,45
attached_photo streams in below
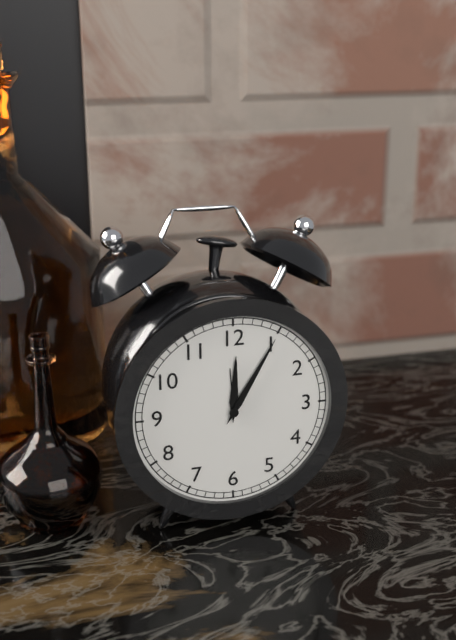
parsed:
12,05
